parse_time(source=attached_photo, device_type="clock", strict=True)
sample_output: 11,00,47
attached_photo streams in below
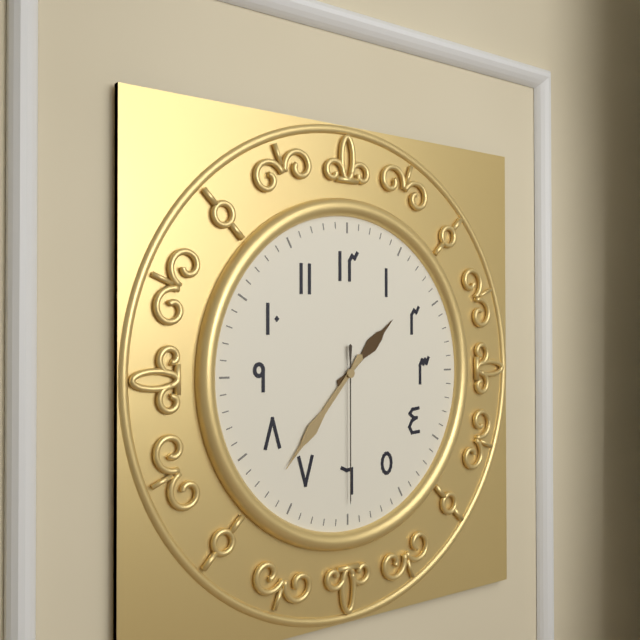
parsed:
1,37,30
